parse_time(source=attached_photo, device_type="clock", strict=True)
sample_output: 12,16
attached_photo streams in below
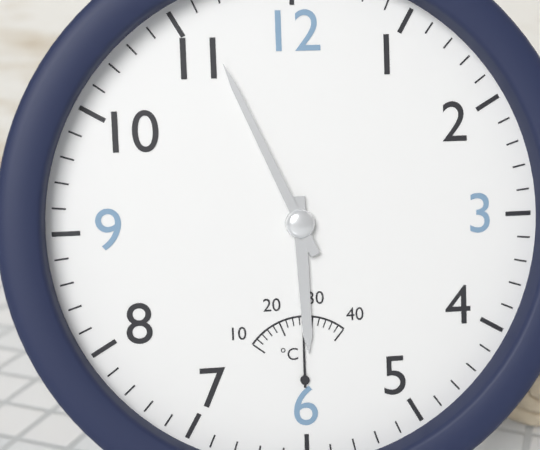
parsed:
5,56
